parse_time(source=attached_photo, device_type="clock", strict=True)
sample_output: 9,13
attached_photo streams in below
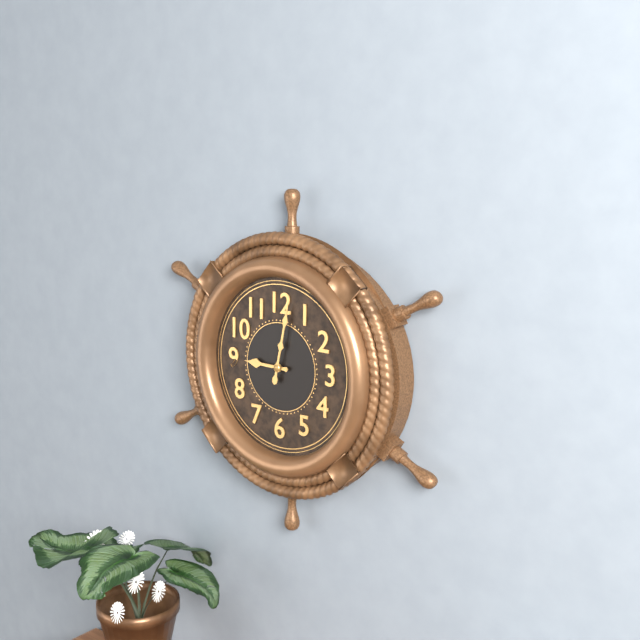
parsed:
9,02
